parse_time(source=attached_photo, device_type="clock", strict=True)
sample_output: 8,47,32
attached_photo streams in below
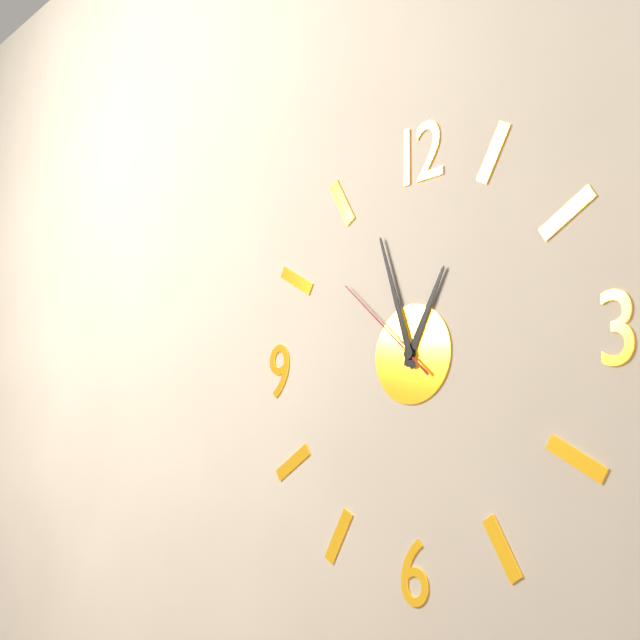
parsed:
12,57,52
